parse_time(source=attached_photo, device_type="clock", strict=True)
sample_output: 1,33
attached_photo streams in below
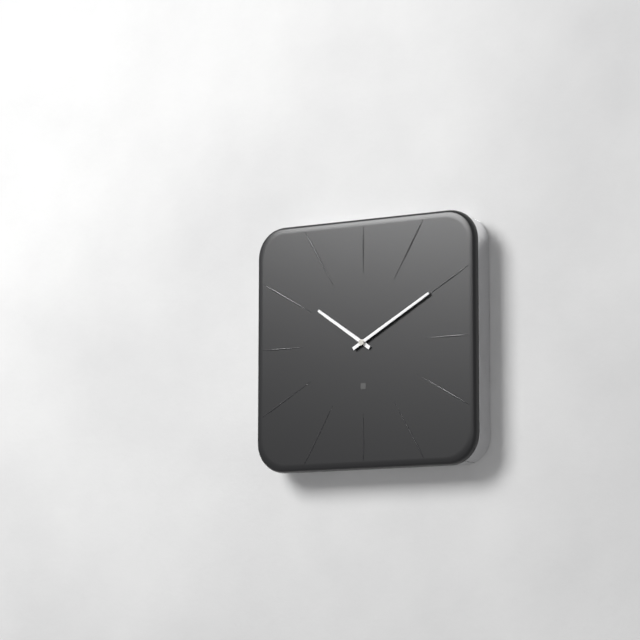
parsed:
10,10
